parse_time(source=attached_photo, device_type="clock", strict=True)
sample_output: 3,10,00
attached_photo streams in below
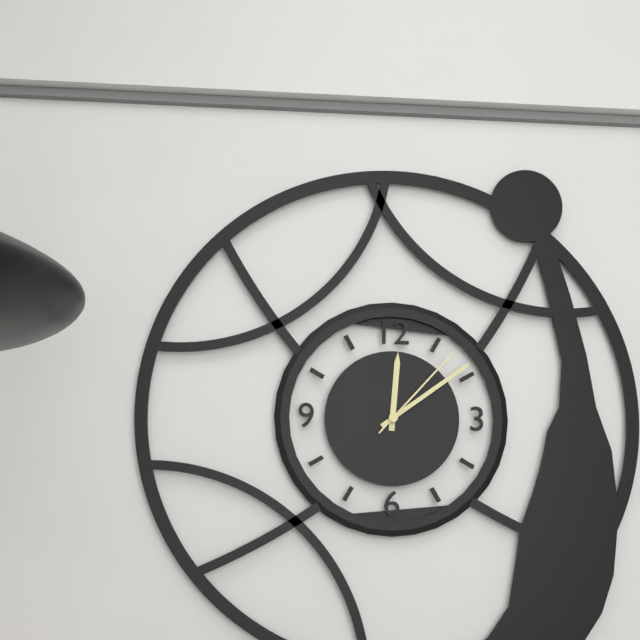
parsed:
12,09,07
